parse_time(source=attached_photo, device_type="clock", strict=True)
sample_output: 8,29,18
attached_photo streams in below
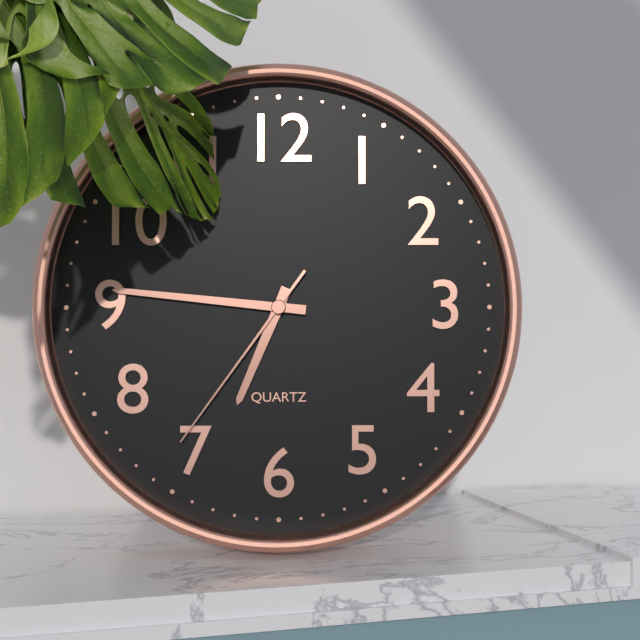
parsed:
6,46,36
